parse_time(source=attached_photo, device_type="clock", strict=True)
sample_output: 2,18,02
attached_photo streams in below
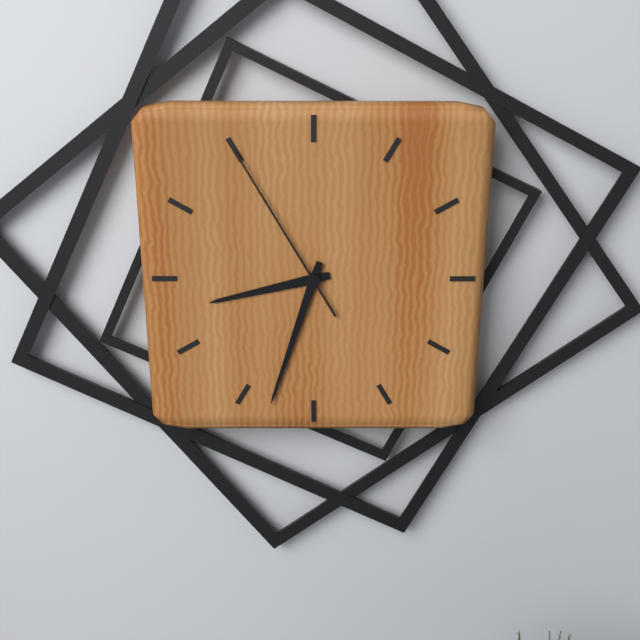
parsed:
8,33,55
